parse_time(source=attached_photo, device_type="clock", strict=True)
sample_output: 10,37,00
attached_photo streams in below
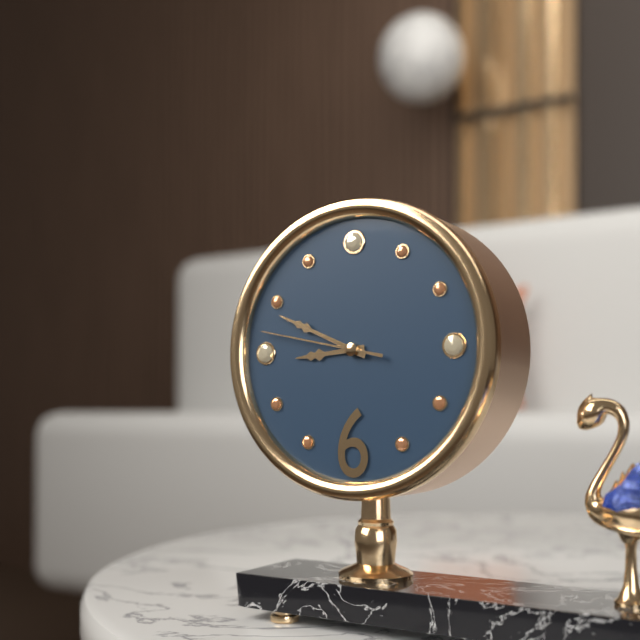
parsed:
8,49,47
